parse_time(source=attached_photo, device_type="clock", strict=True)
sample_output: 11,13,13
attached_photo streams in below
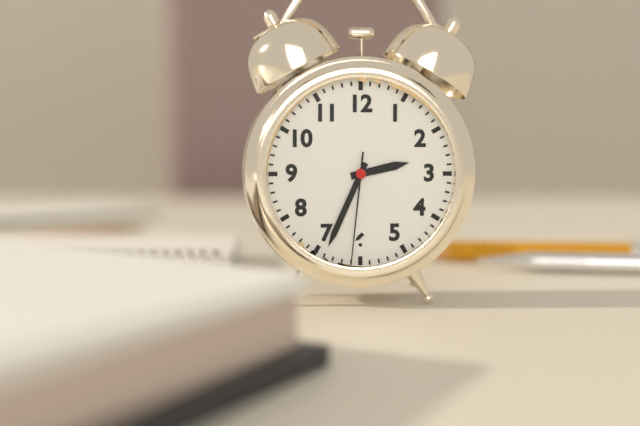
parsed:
2,34,31
